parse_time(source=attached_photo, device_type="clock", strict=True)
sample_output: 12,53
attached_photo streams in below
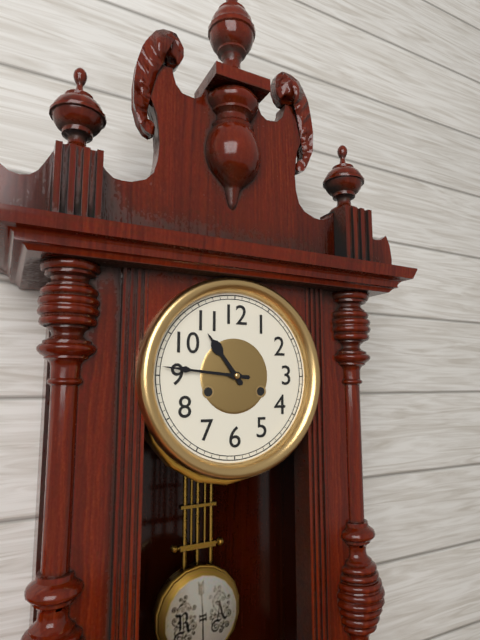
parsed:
10,46
